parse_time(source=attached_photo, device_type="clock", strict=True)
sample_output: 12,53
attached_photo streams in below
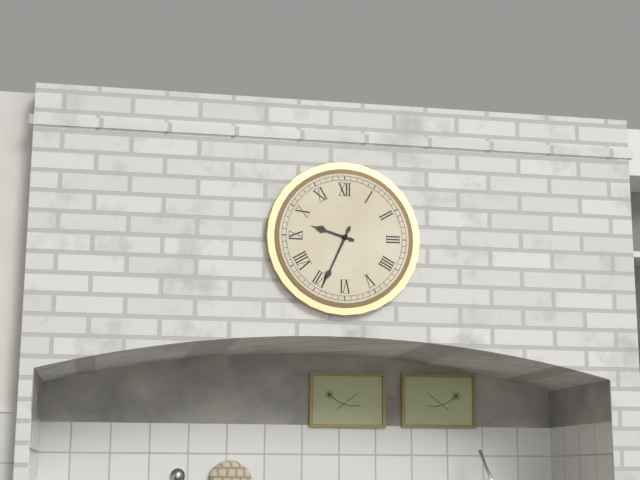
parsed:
9,34
